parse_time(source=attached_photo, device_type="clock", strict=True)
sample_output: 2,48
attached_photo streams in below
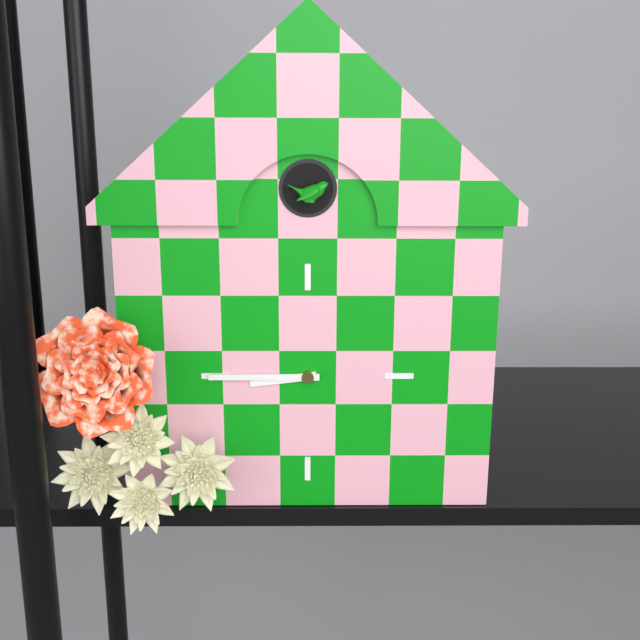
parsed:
8,45
